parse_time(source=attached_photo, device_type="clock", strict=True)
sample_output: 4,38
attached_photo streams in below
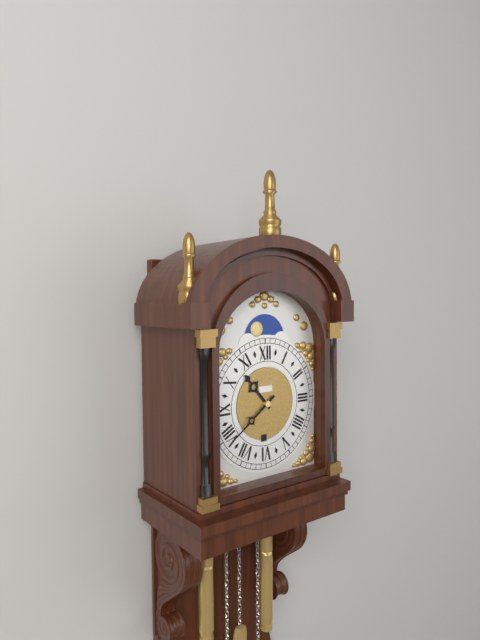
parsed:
10,39
